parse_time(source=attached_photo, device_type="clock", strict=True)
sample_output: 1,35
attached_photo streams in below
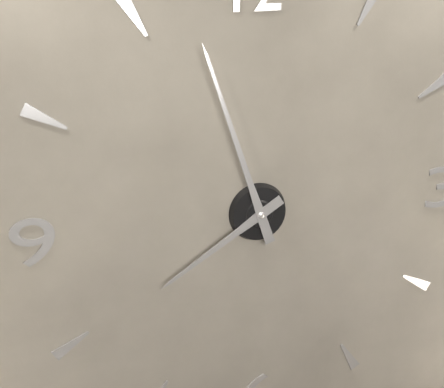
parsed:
7,57
